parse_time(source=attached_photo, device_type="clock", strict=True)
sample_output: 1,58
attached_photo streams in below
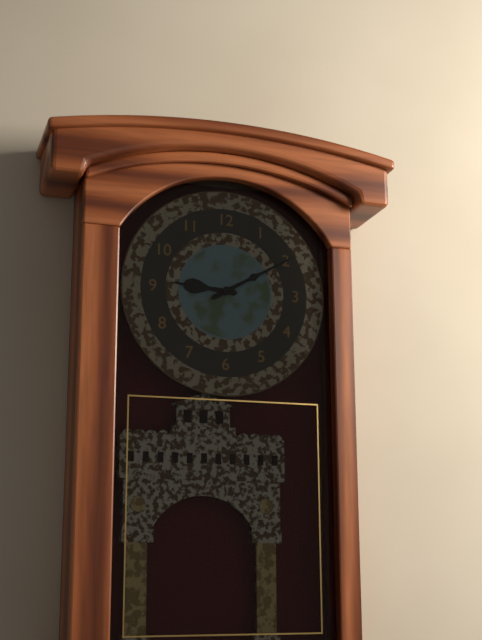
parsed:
9,10
